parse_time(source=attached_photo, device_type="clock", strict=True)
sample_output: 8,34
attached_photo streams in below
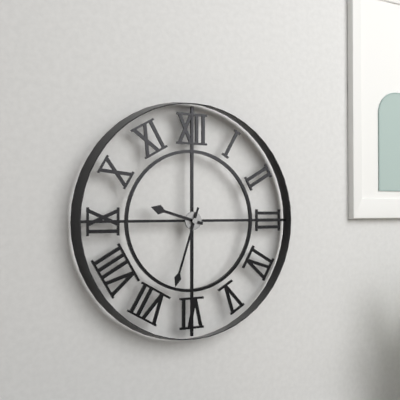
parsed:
9,33
